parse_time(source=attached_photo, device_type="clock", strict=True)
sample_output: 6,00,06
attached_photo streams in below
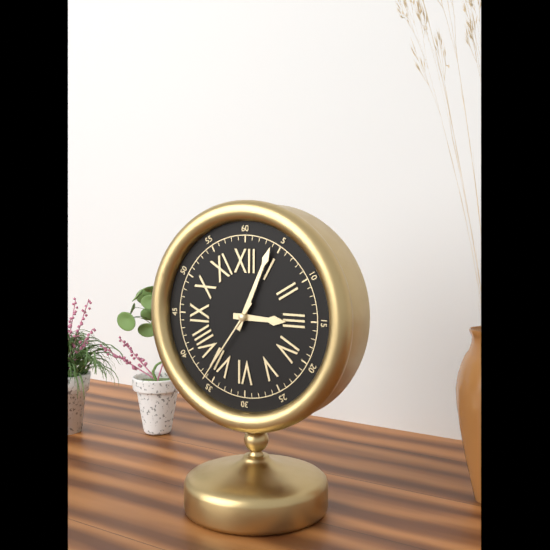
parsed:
3,04,36
